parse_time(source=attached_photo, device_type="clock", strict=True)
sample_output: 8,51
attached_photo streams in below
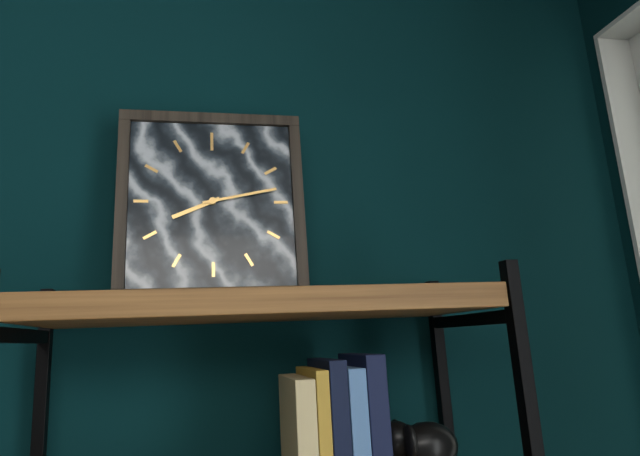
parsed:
8,13
